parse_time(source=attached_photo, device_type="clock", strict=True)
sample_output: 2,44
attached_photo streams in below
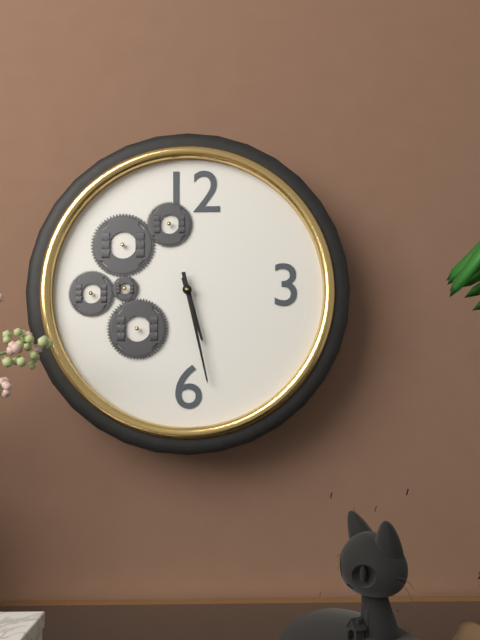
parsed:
5,28
